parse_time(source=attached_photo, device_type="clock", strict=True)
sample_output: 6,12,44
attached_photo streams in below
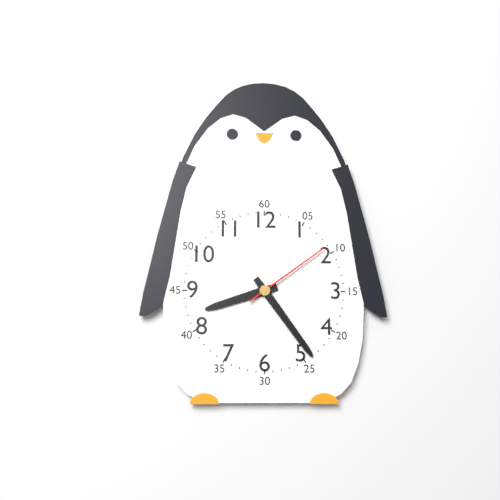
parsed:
8,24,09
